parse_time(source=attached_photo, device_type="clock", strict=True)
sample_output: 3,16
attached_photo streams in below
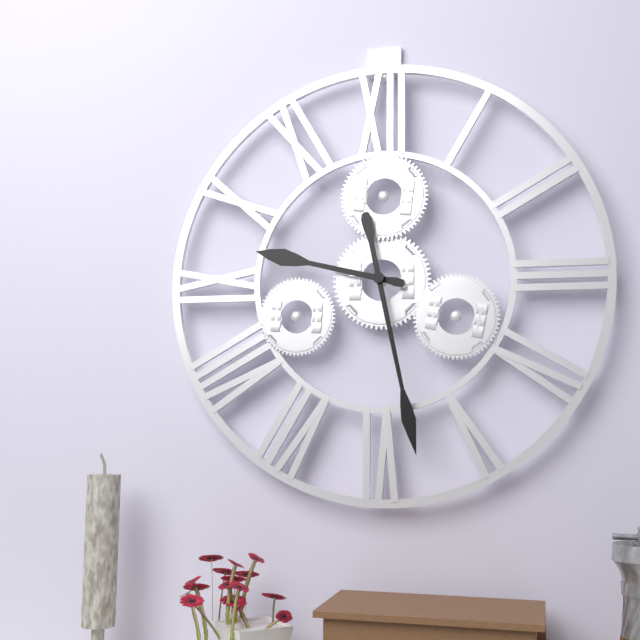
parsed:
9,28
